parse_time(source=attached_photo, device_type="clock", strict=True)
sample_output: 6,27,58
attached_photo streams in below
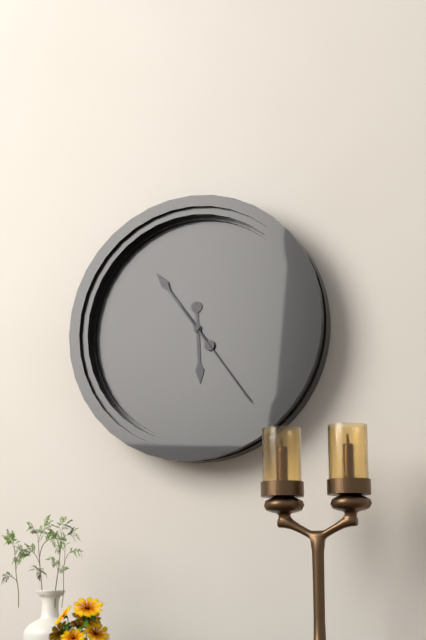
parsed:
5,54,24
